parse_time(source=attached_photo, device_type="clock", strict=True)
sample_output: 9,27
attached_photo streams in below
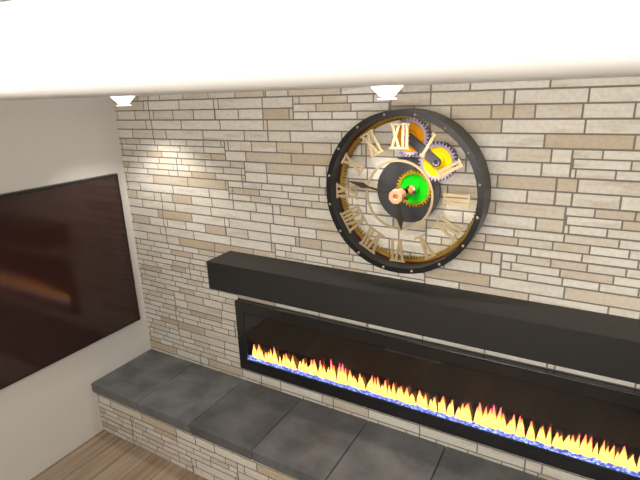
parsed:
5,47
